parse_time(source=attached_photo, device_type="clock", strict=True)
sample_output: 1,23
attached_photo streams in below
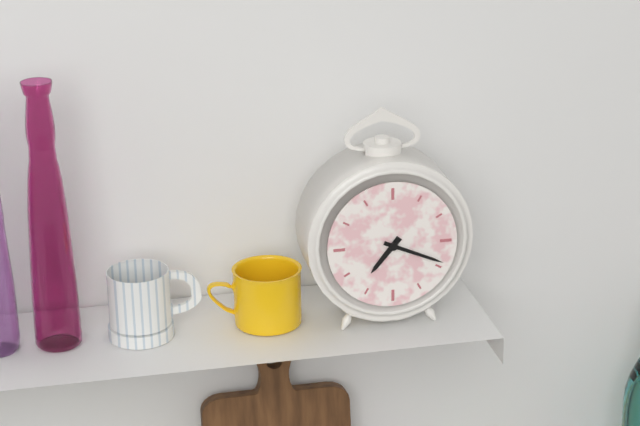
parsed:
7,19
